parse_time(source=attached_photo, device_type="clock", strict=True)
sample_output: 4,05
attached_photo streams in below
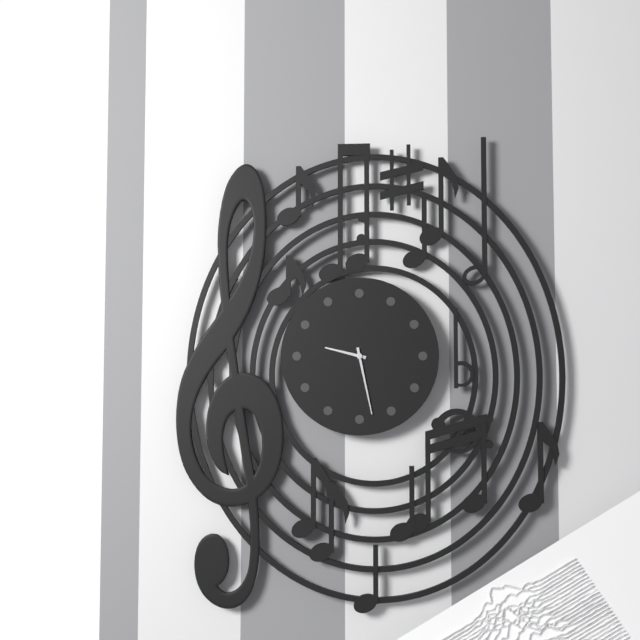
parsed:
9,28
